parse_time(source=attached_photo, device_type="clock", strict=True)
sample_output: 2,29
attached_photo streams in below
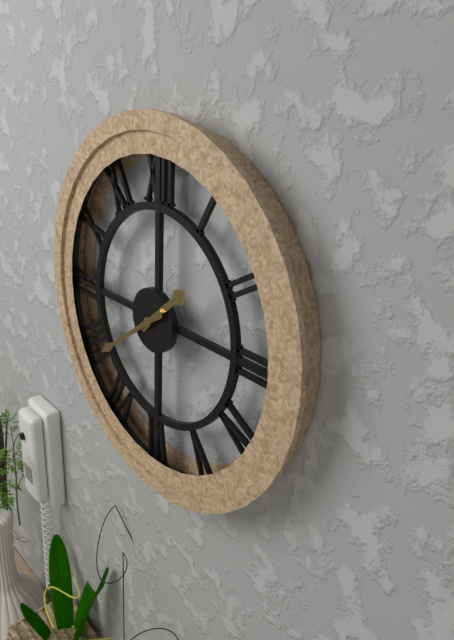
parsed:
1,39
